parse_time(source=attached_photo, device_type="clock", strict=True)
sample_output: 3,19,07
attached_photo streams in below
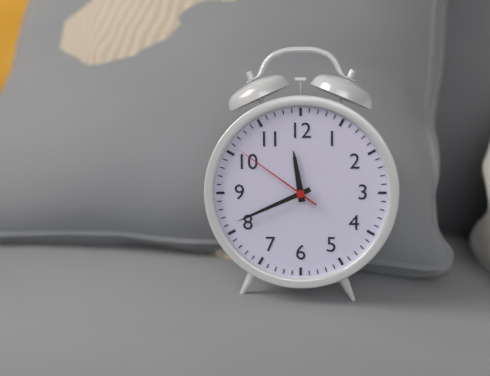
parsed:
11,41,51
